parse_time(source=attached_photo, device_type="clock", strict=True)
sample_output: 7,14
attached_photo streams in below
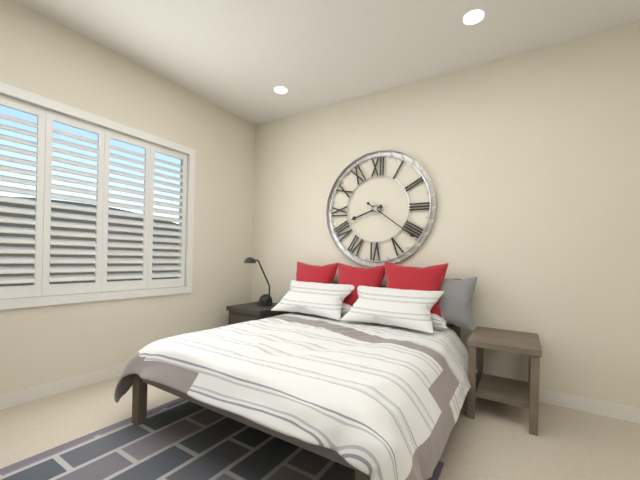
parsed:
8,21
